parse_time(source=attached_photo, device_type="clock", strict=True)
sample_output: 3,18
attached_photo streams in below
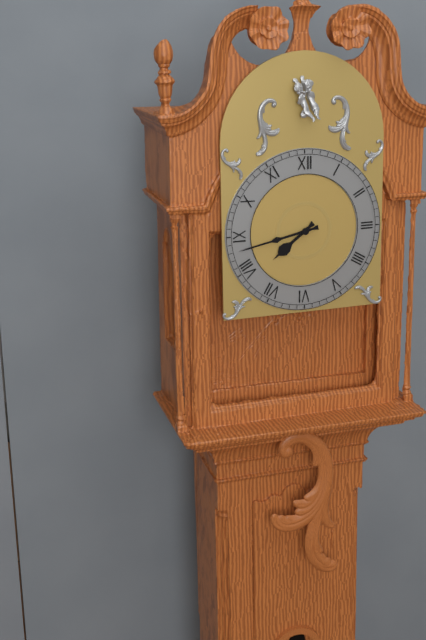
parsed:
7,43
